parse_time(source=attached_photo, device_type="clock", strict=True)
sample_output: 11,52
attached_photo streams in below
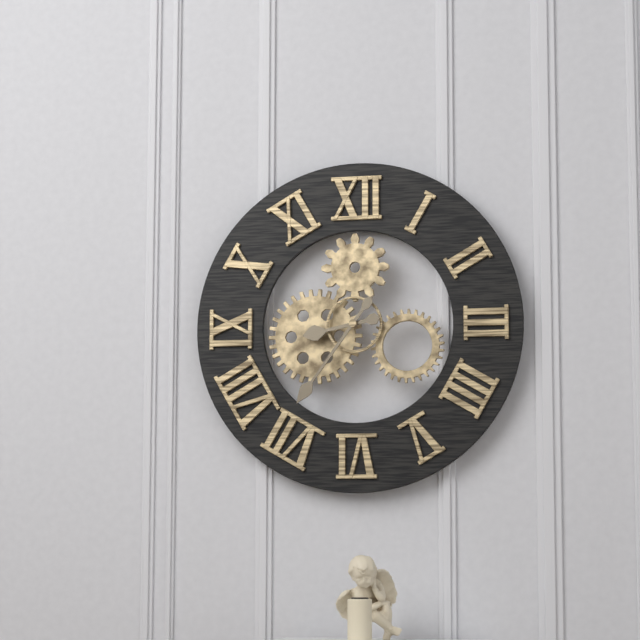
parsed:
8,36
